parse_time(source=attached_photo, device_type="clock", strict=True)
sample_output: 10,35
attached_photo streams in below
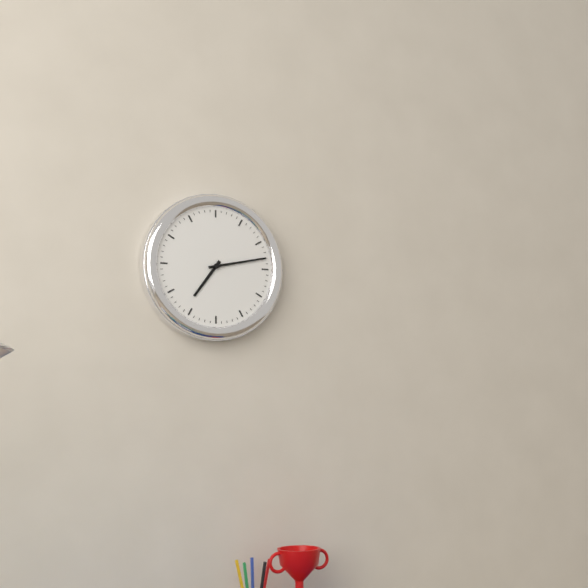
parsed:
7,13
